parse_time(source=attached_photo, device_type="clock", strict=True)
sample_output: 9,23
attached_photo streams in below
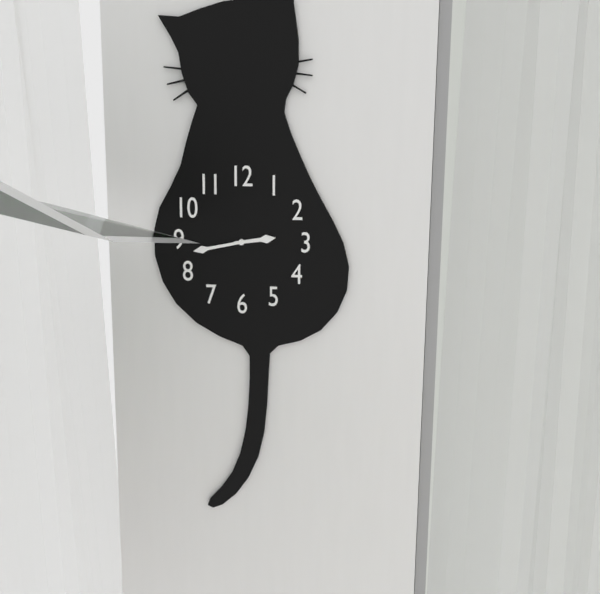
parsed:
2,43
